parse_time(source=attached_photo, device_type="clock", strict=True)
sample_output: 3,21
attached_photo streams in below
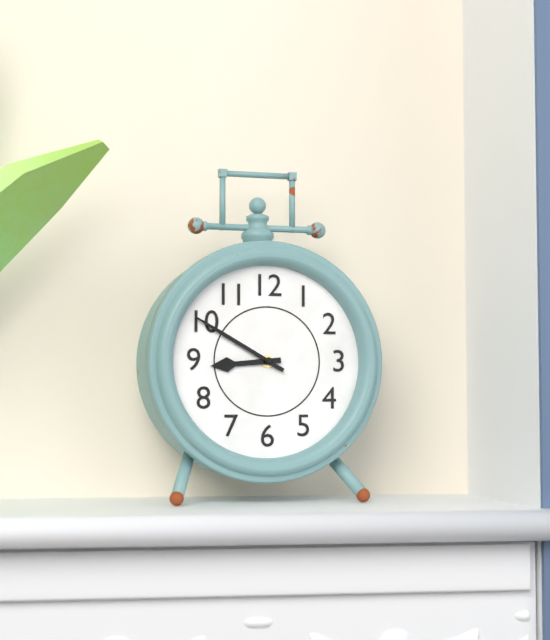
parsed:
8,50
